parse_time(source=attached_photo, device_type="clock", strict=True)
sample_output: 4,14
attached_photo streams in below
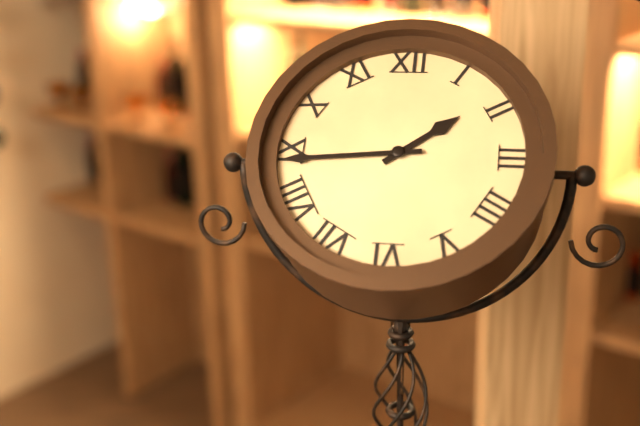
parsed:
1,44
